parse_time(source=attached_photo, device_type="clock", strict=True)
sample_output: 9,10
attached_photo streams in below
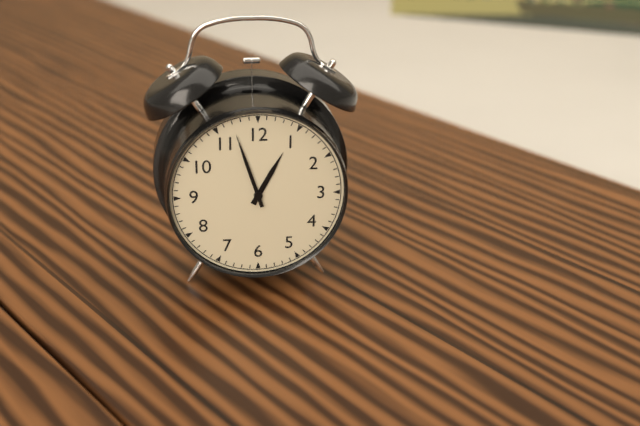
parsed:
12,57
